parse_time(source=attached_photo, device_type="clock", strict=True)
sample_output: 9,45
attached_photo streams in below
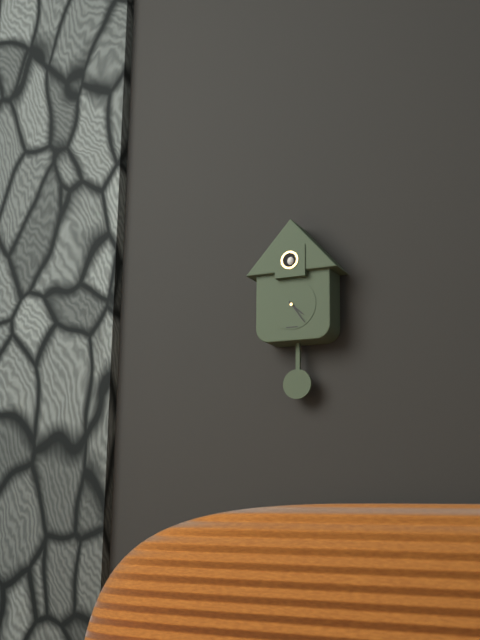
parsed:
4,24
